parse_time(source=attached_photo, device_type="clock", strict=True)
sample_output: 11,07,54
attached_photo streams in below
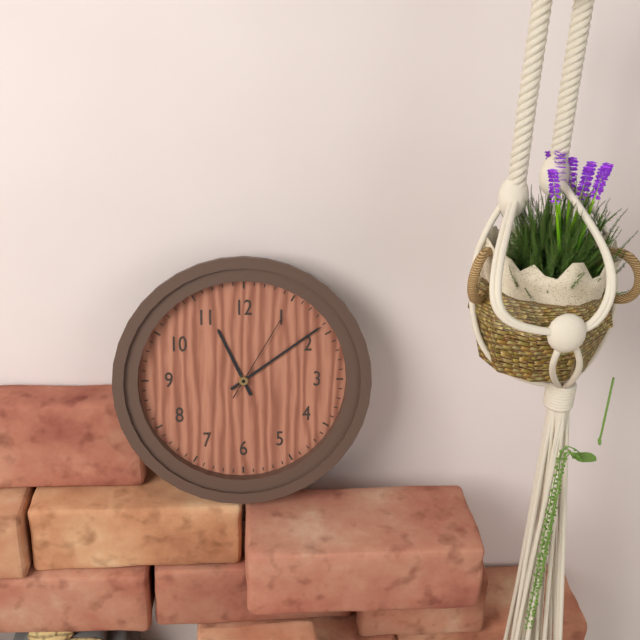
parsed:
11,09,05
